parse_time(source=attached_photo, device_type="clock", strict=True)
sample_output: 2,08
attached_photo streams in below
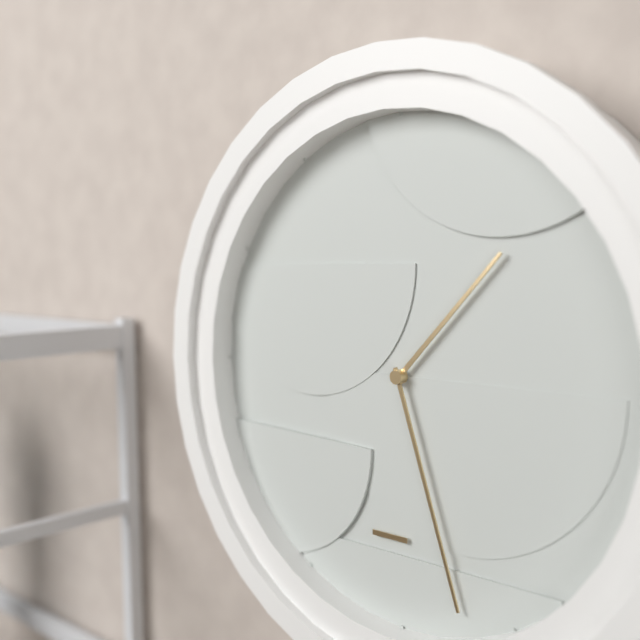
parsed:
1,27
